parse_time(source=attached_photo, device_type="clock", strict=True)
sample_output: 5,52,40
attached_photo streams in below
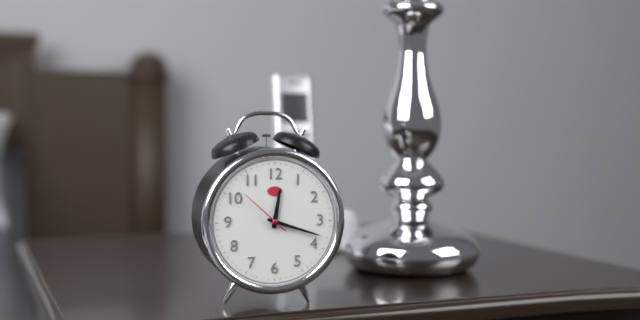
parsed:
12,18,52
